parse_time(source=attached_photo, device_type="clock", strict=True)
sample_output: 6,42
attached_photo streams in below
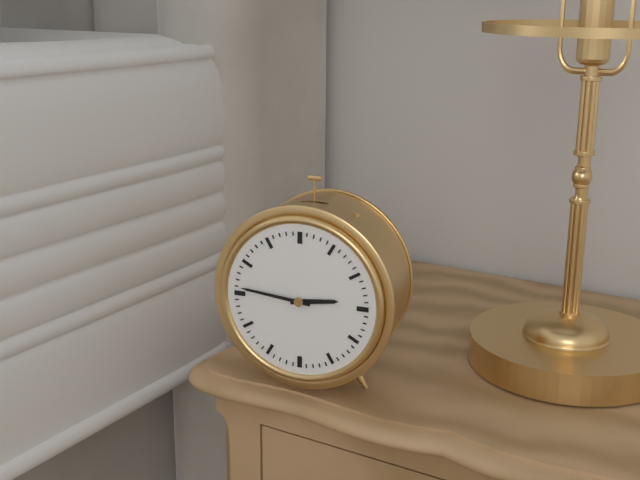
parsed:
2,46
